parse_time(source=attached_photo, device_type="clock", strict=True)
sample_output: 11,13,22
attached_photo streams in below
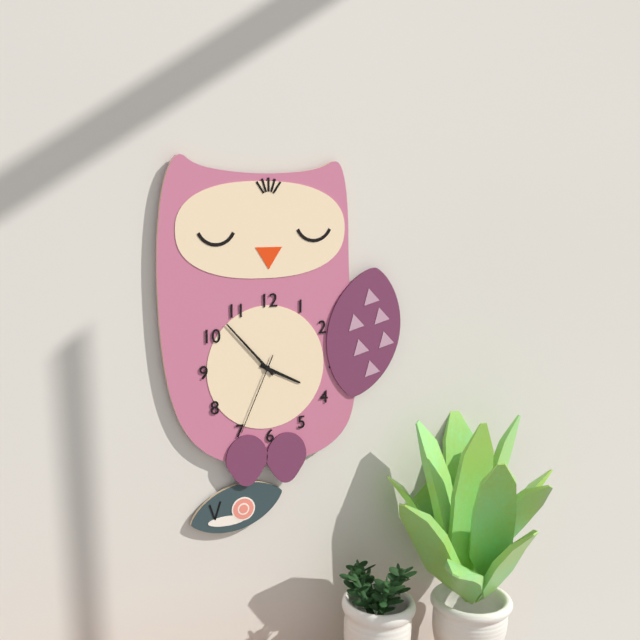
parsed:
3,53,34
